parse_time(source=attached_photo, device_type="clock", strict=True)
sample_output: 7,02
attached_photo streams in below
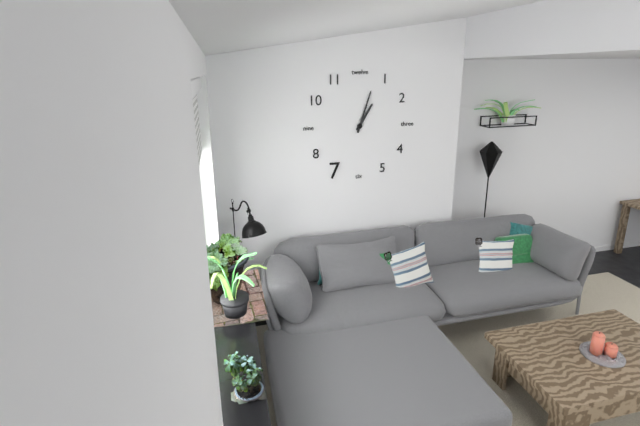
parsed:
1,03
